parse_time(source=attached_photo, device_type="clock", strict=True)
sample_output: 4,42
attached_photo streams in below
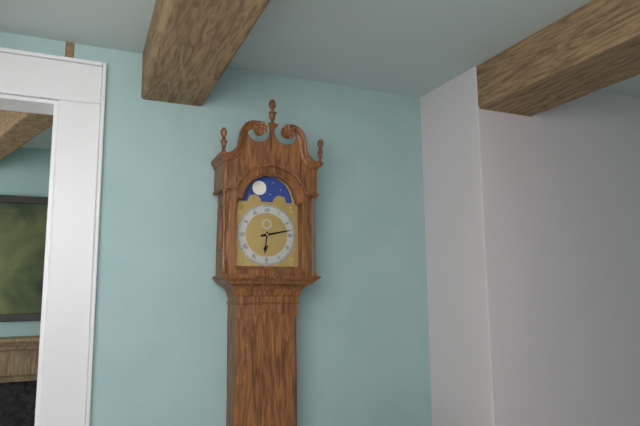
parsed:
6,13
